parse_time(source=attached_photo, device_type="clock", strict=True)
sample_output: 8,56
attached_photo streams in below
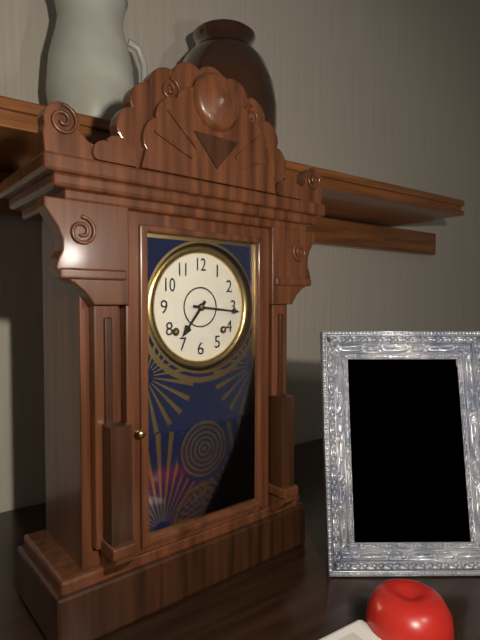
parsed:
7,16
